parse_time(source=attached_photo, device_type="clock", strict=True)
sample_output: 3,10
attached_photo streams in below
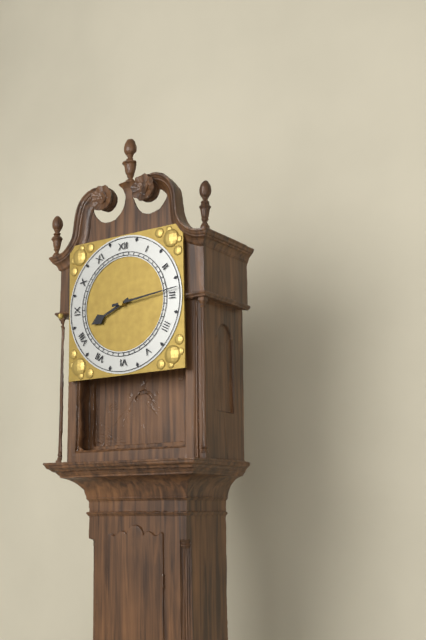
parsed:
8,14
